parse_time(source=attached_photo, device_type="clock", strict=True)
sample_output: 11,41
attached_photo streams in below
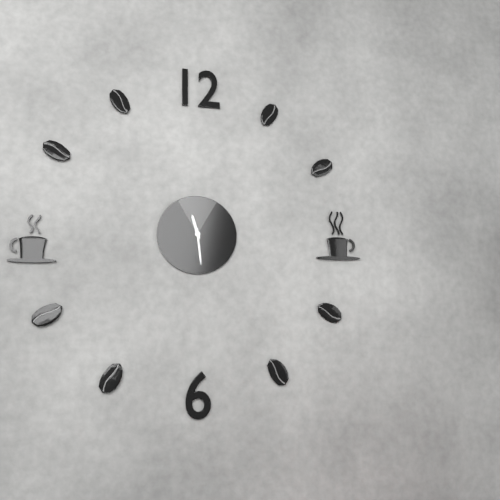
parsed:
11,29
